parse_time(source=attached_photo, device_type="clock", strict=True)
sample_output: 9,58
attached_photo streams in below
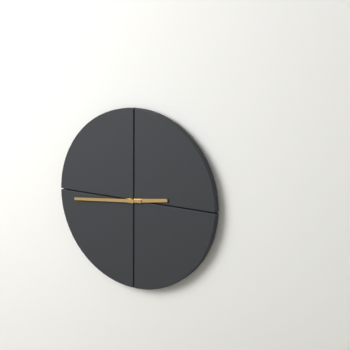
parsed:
2,44
